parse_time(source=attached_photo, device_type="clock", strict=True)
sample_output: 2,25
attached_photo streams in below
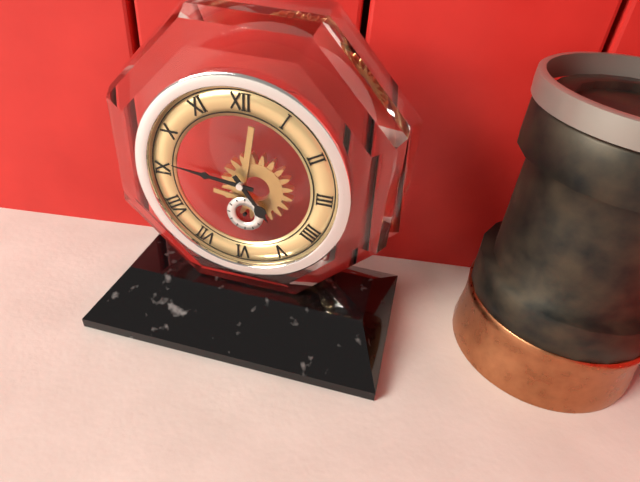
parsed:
4,46
